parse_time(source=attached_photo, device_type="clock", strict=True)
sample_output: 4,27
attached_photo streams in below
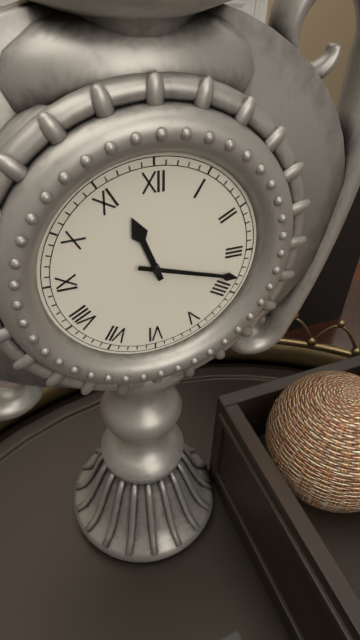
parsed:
11,18
